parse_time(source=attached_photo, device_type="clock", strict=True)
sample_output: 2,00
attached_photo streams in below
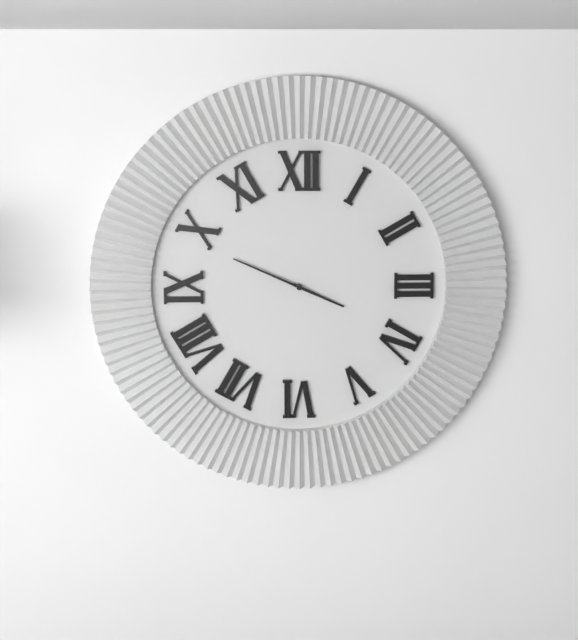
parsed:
3,49
